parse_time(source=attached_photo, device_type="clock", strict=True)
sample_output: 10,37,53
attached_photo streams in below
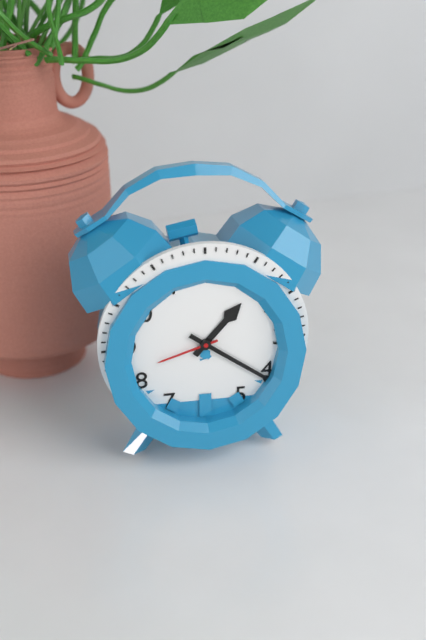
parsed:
1,21,42
